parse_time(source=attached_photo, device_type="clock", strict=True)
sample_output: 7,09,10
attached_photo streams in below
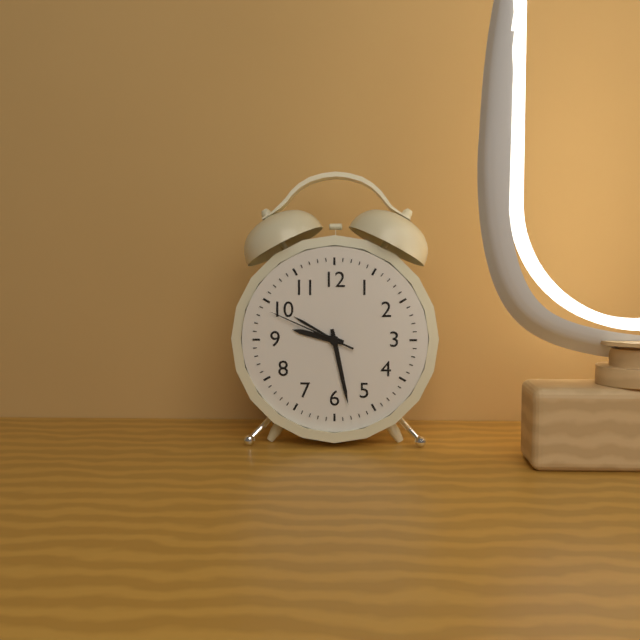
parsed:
9,28,49
